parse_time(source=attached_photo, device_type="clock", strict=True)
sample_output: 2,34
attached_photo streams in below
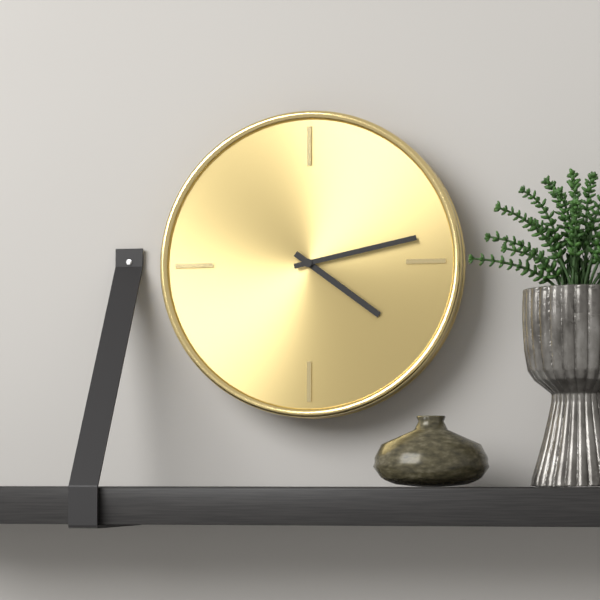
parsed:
4,13
